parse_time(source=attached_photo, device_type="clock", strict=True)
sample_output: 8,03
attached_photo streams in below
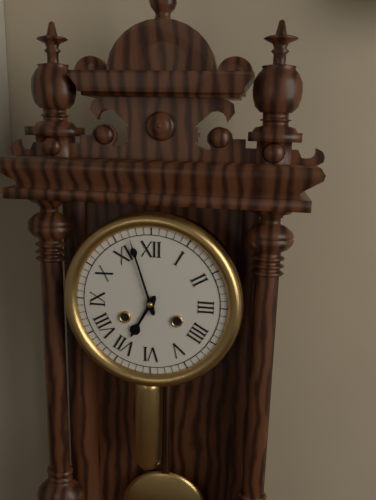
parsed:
6,57
